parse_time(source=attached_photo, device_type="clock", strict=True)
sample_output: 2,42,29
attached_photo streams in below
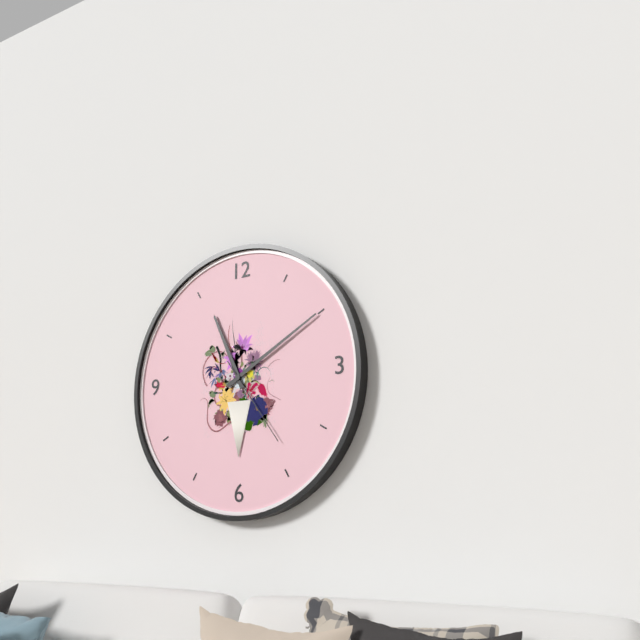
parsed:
11,10,24
